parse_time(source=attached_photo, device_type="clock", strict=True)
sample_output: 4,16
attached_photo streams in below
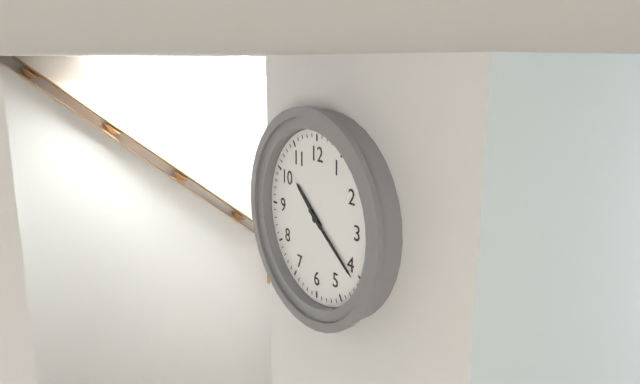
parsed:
10,21
